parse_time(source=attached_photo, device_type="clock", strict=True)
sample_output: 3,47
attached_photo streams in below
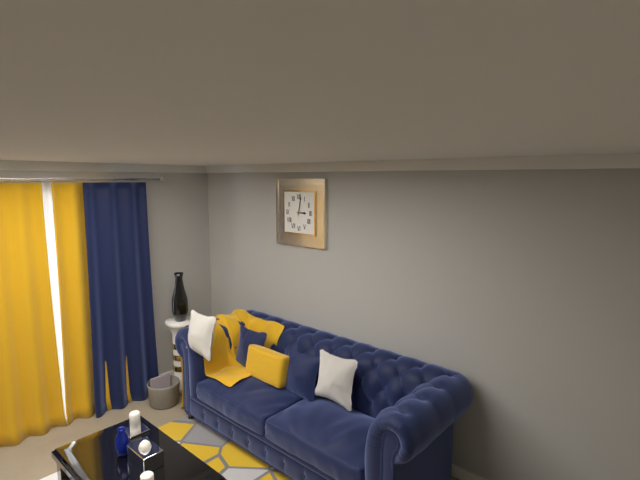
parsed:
3,02
